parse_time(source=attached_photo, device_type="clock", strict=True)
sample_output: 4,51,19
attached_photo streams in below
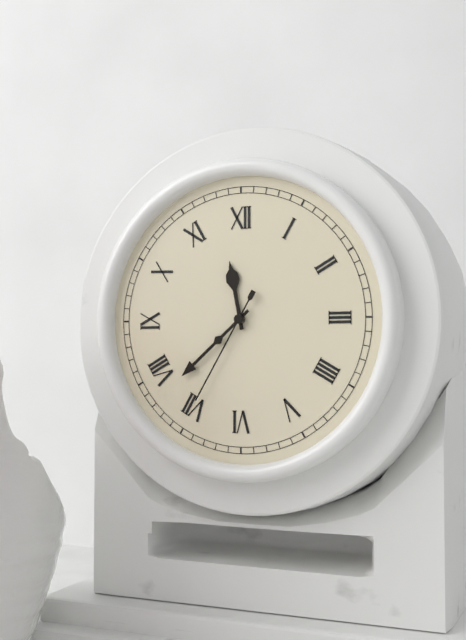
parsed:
11,38,35
